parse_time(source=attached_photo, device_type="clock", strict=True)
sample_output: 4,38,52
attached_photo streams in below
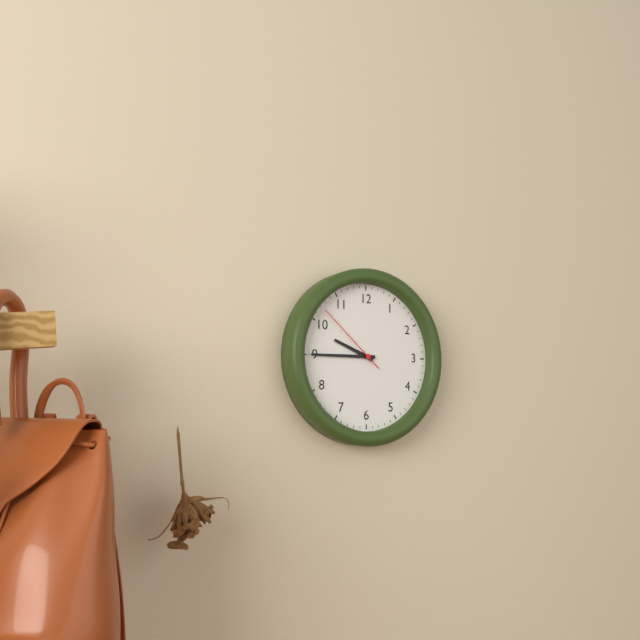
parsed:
9,45,52
